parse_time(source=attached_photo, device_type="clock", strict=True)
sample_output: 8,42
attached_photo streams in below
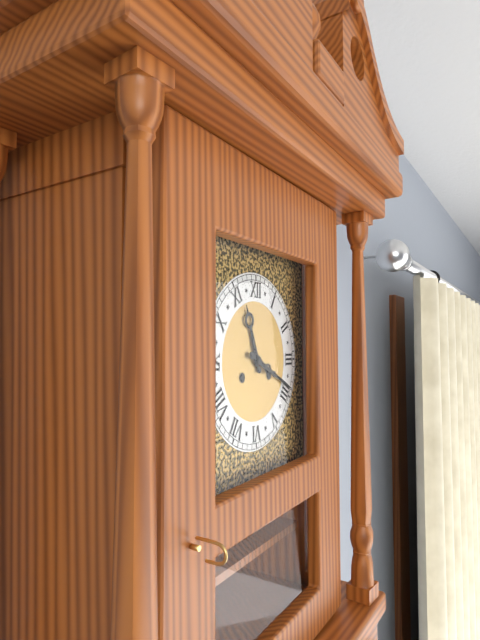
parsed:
11,19
